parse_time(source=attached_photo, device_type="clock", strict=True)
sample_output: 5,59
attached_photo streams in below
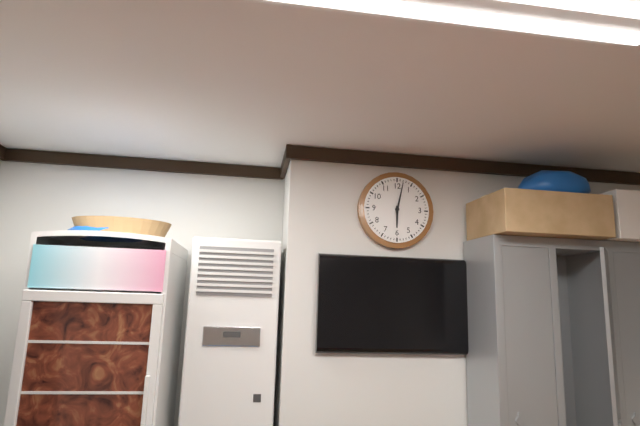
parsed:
6,02
